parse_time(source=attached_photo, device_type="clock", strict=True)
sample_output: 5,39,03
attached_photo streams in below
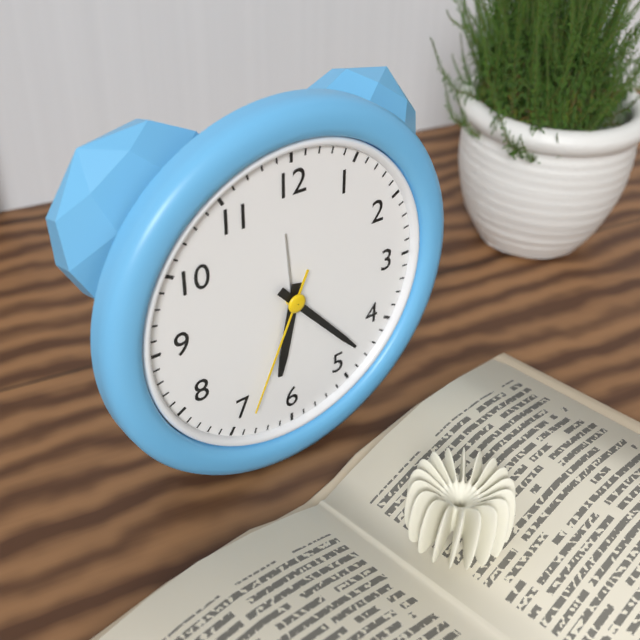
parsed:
6,23,34
